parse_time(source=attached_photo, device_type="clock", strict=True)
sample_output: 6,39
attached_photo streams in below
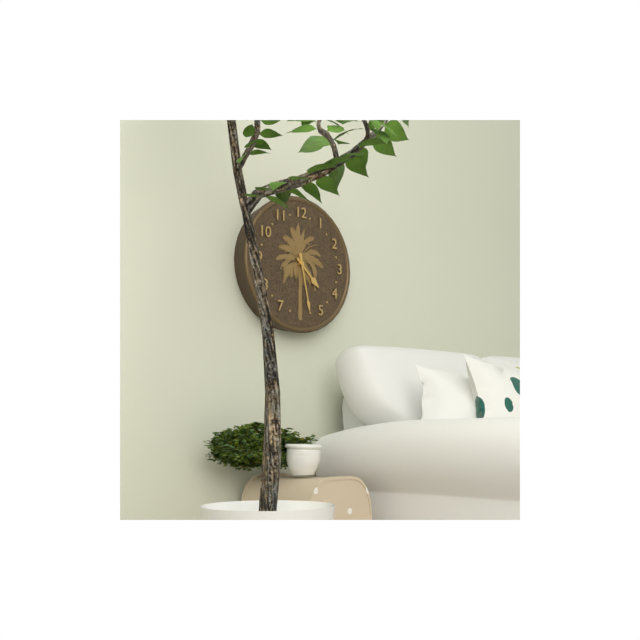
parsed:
4,28
